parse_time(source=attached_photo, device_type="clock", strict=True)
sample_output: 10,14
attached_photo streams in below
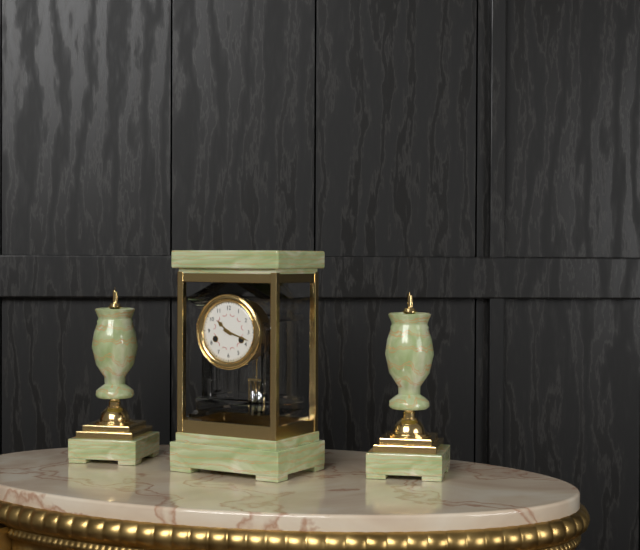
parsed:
10,18
